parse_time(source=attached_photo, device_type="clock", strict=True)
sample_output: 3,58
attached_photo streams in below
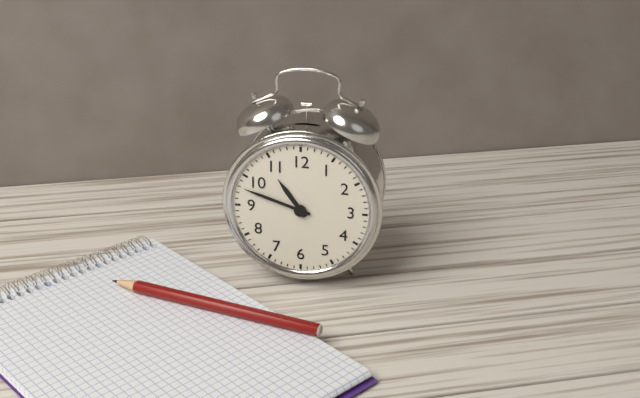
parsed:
10,48
